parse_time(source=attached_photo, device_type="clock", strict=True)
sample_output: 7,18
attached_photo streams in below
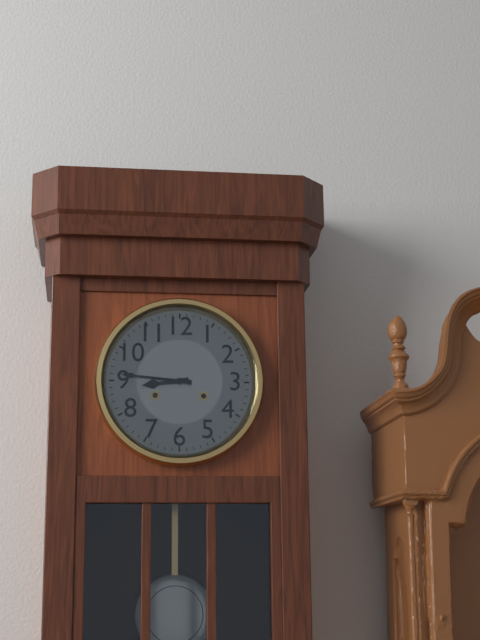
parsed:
8,46
